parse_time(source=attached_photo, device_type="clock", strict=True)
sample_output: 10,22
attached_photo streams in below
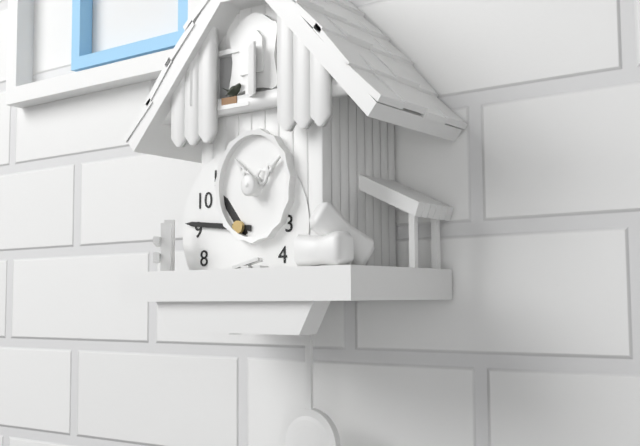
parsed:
10,46
